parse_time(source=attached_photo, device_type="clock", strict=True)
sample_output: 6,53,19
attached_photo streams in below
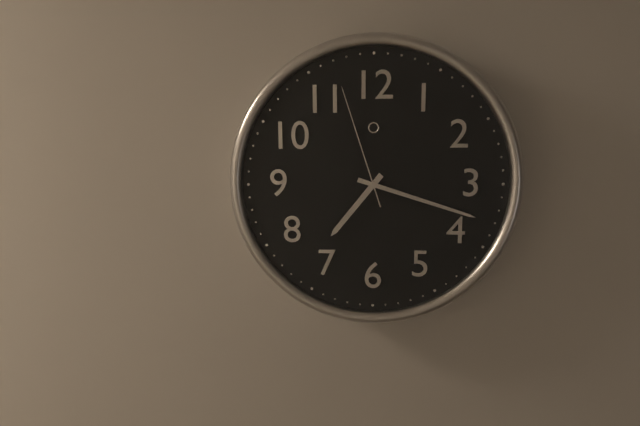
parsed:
7,18,57
